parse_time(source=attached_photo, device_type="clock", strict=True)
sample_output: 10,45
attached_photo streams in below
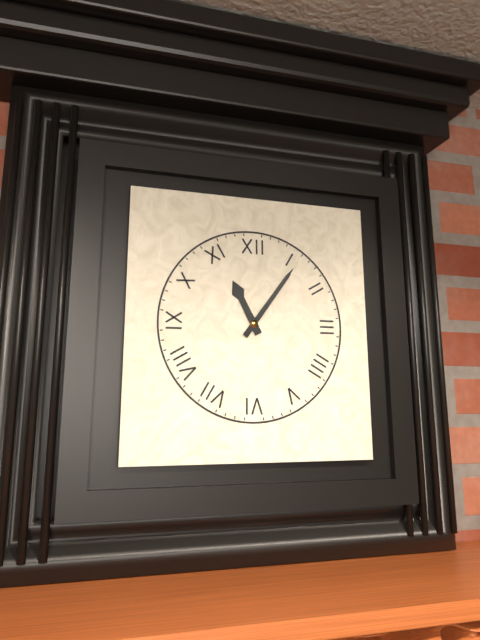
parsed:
11,06
